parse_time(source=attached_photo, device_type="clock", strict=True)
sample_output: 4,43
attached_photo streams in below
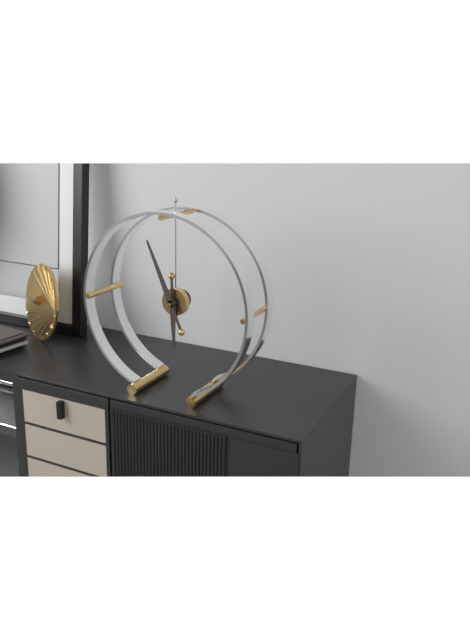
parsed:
5,56
